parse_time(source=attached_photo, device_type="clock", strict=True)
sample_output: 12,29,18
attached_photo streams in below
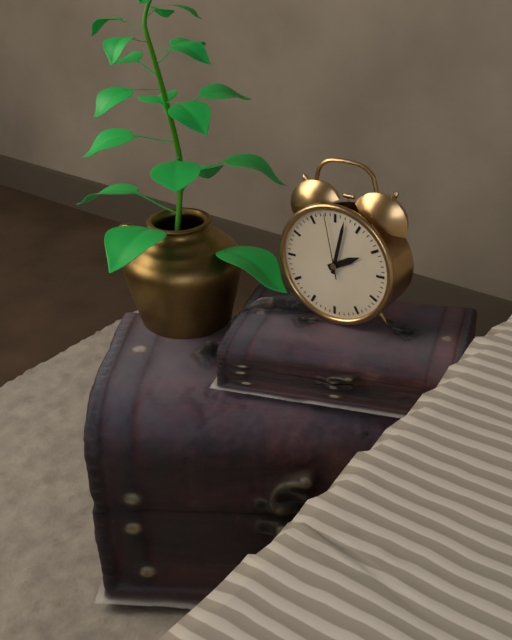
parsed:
2,02,58
